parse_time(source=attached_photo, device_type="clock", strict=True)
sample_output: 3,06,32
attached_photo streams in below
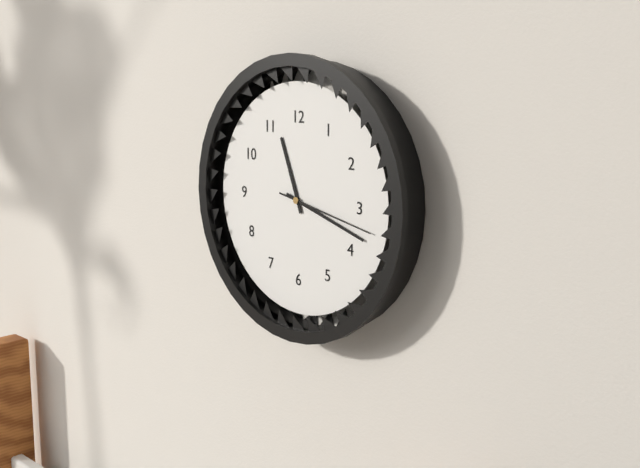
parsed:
11,18,17
